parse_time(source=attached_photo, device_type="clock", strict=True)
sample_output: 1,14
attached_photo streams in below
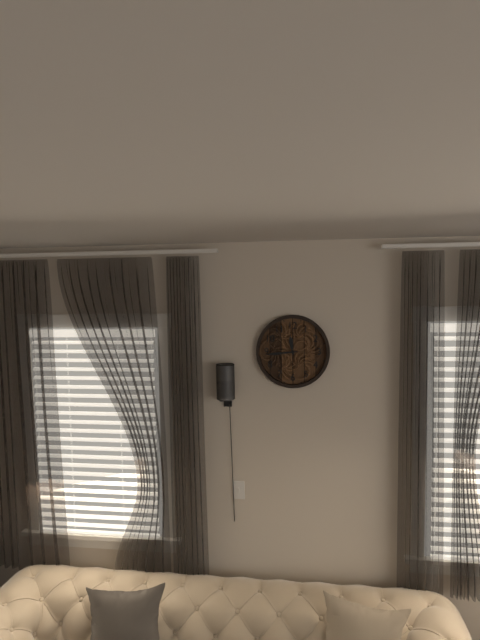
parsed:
11,44
